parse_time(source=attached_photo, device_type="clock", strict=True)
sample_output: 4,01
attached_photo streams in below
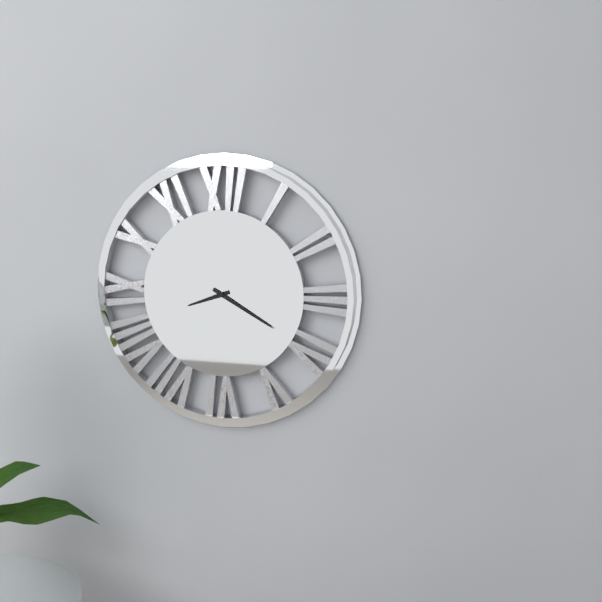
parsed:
8,20
